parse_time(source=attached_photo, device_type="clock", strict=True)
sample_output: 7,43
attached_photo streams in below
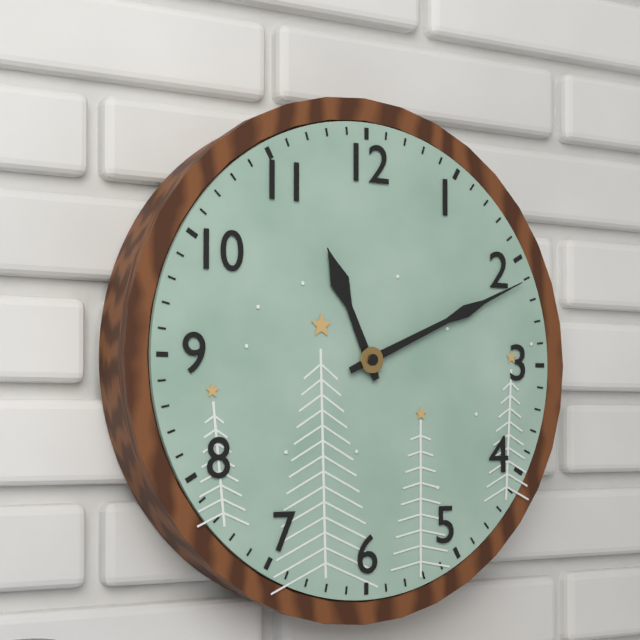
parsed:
11,11
